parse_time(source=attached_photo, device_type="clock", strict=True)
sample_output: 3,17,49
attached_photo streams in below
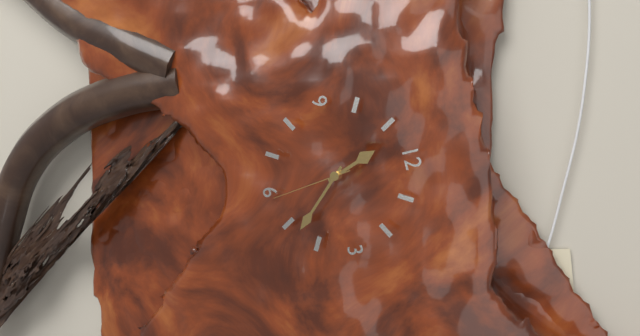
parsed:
11,23,29
